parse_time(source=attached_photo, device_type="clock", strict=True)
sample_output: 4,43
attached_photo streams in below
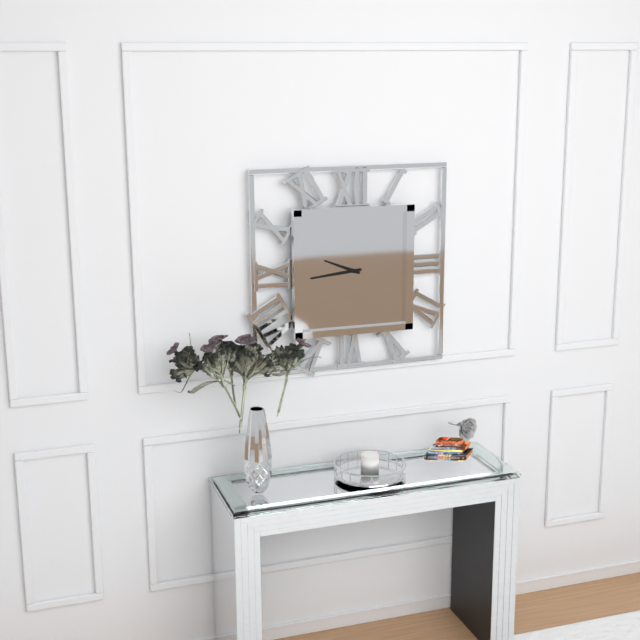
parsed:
9,44
